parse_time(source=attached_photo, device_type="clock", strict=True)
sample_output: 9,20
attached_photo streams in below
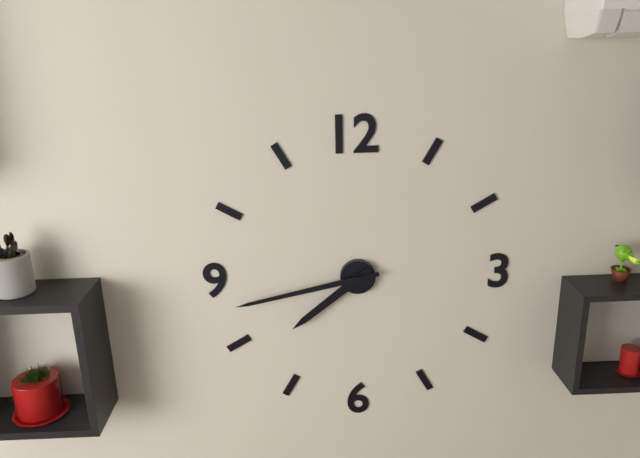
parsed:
7,43
